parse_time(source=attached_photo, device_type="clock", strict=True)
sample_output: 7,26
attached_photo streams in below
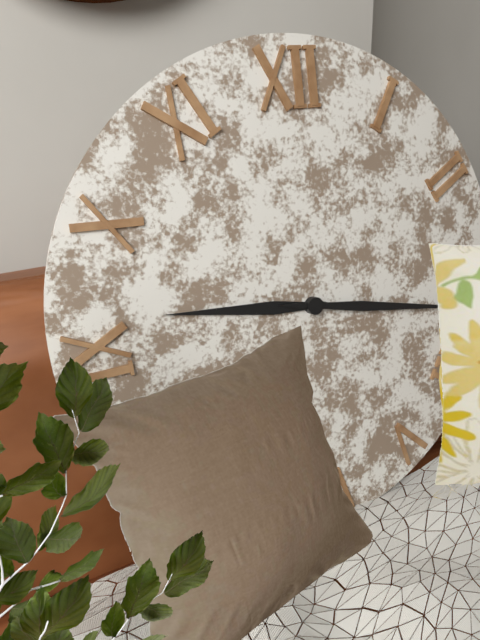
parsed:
9,17
